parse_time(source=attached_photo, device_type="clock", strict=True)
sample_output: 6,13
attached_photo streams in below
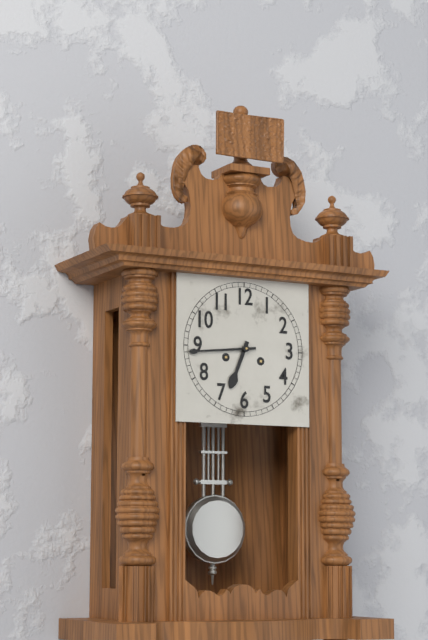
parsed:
6,44
